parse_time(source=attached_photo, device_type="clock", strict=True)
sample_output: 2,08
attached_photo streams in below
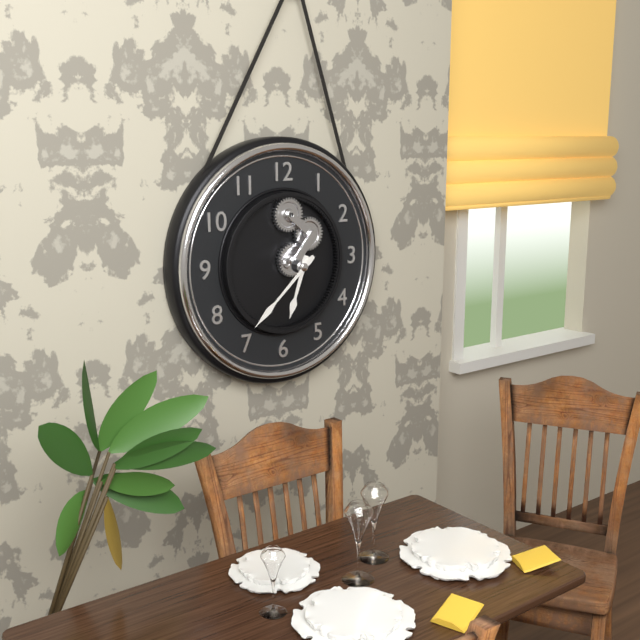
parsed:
6,38
